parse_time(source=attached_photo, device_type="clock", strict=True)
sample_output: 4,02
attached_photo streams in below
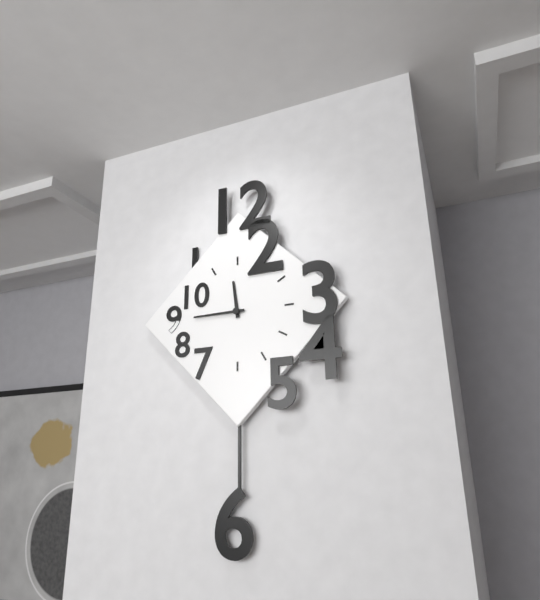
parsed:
11,45
